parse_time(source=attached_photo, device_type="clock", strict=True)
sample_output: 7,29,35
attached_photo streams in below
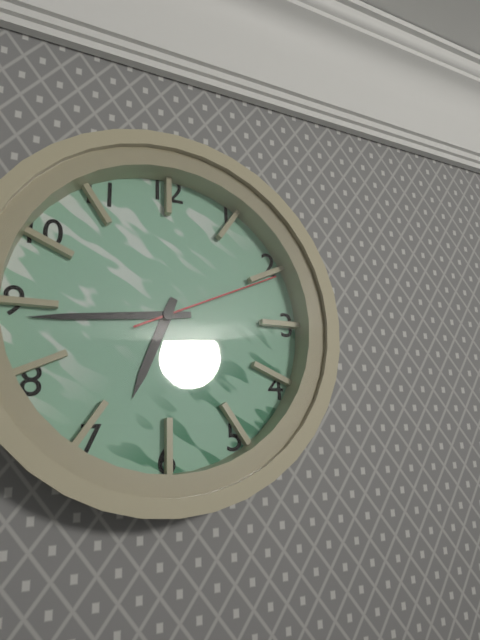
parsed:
6,44,11
